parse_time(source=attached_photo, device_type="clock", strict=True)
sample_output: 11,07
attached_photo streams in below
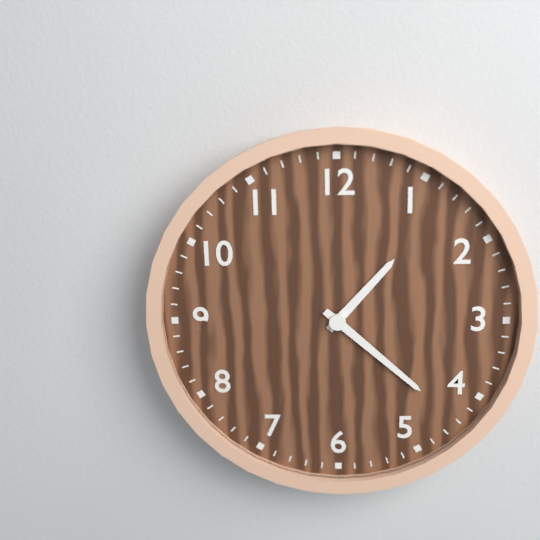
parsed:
1,22
